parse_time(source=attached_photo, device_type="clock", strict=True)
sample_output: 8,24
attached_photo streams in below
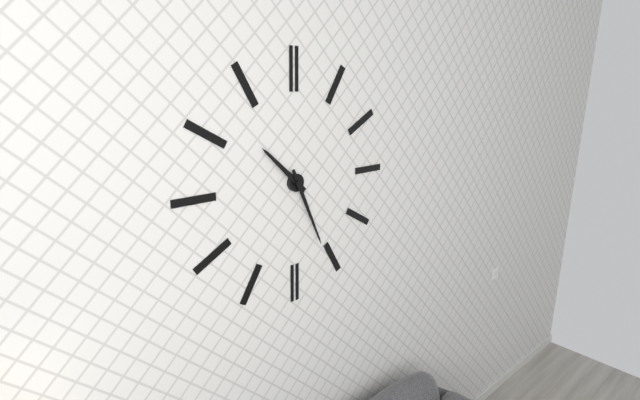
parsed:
10,26
